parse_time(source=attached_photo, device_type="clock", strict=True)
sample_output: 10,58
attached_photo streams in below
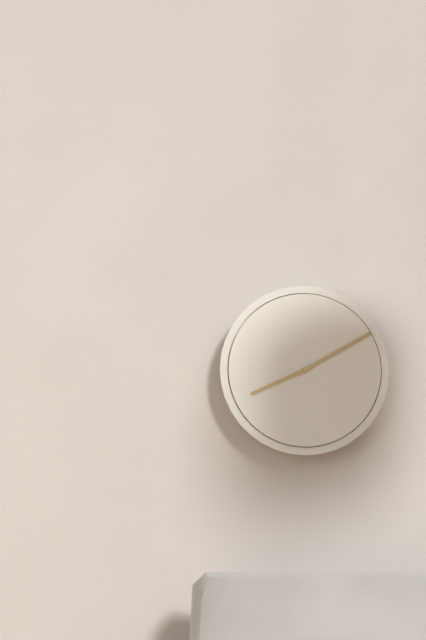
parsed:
8,10
